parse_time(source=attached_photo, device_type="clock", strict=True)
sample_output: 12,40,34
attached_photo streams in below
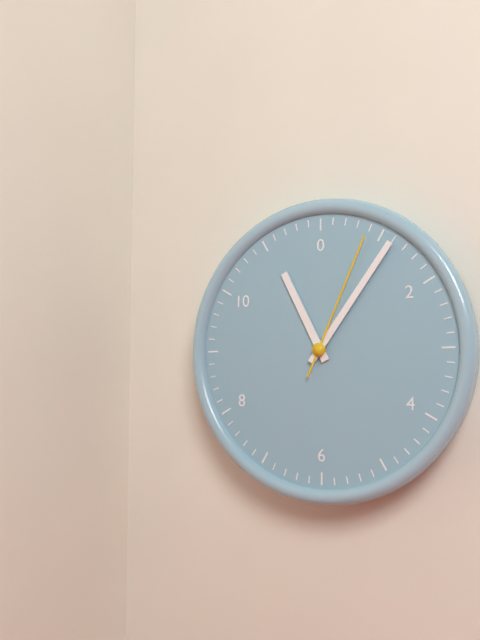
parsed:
11,06,04
